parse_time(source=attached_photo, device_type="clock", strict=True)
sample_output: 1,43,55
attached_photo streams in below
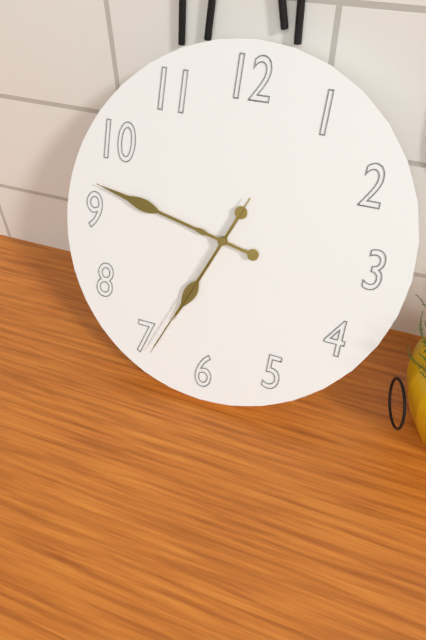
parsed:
6,47,34
